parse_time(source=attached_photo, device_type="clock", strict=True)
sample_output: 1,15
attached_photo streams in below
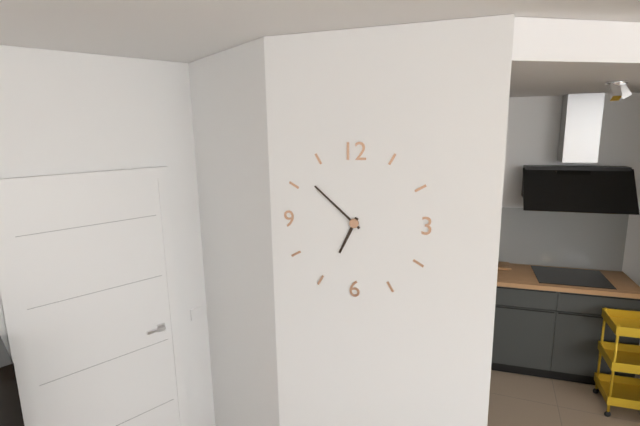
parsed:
6,52
